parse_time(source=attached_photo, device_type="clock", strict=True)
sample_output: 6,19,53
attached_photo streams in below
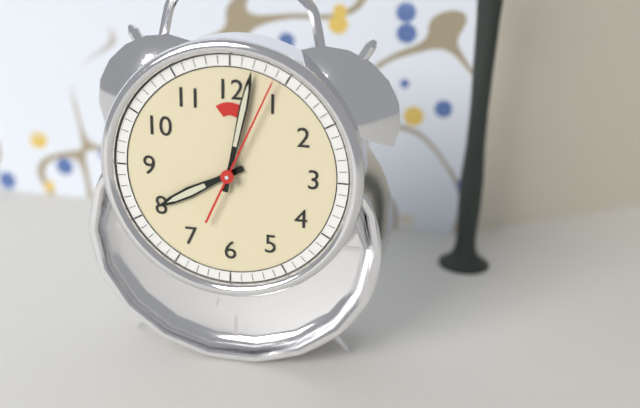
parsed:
8,02,04
